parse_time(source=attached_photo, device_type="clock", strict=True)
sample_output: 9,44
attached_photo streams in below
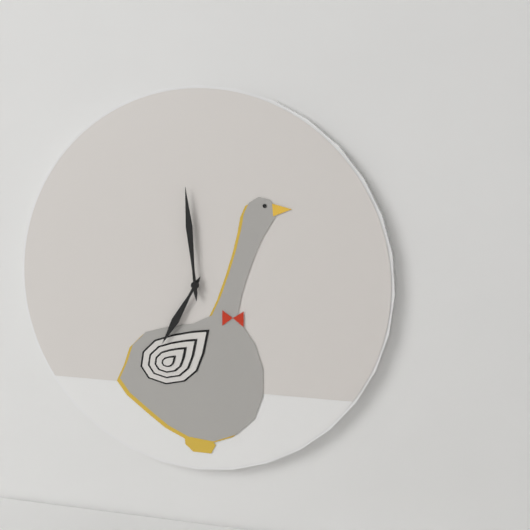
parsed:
6,59
